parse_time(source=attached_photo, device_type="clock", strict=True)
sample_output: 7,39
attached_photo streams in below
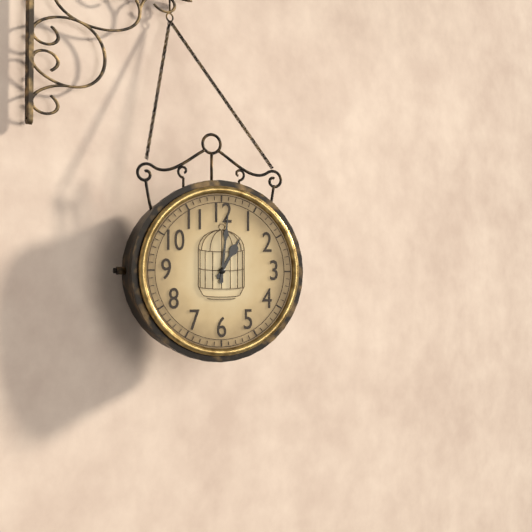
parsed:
1,01
